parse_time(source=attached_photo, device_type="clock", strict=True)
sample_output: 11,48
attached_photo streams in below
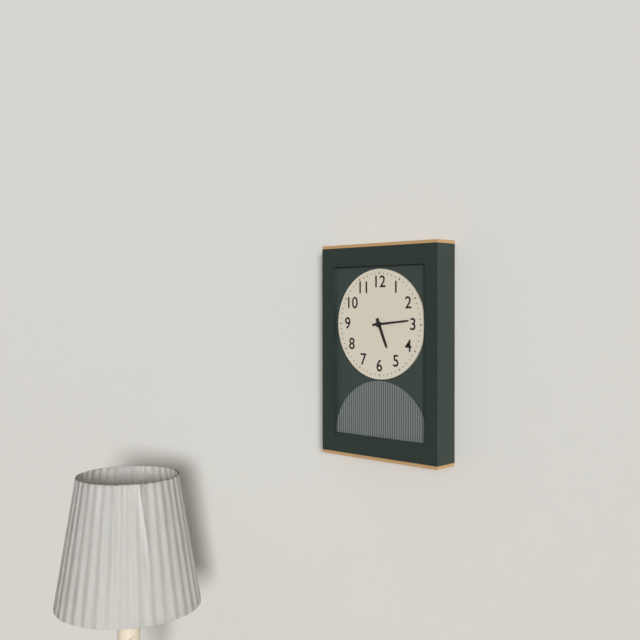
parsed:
5,14
